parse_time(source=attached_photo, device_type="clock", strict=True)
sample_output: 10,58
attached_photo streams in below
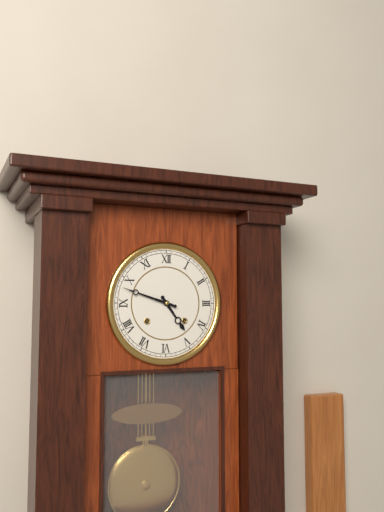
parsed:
4,48
